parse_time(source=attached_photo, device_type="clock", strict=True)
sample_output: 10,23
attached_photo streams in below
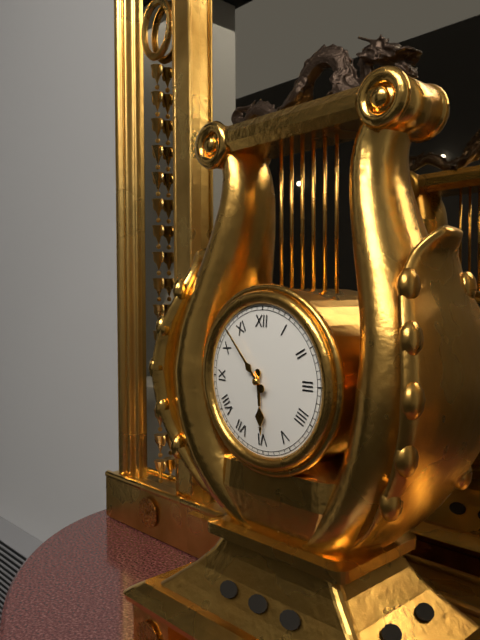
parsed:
5,53
